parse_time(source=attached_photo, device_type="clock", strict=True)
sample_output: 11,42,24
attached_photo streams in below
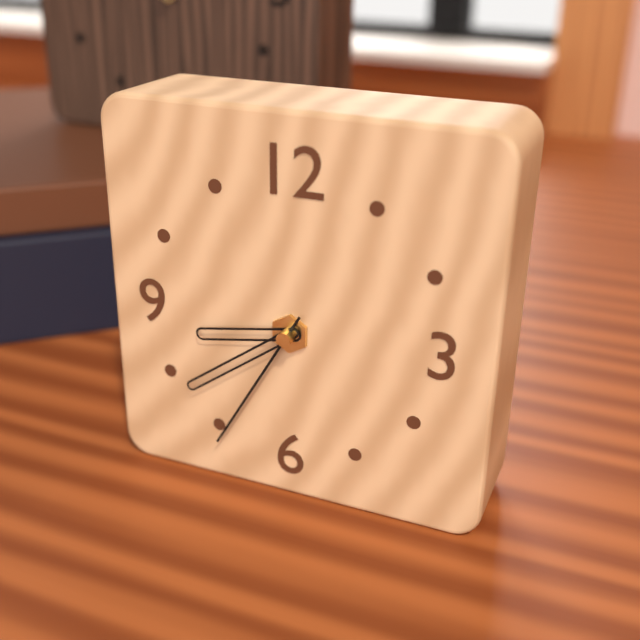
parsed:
8,39,35
